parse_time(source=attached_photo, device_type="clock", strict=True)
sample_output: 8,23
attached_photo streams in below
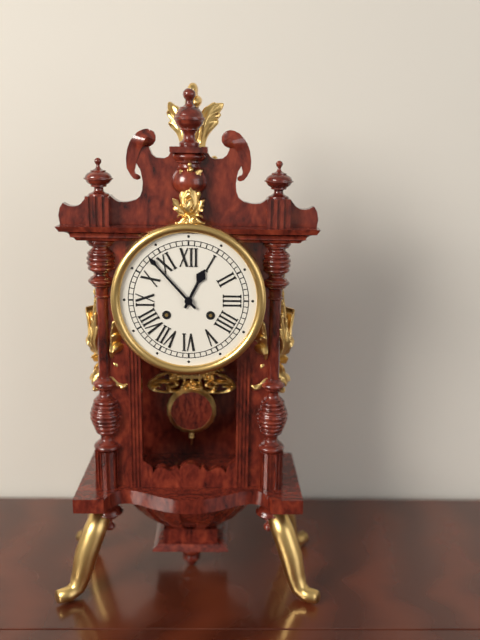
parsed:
12,53
